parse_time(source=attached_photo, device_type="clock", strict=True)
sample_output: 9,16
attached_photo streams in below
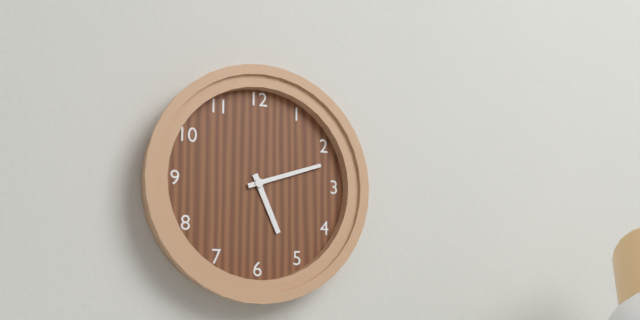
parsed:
5,12
